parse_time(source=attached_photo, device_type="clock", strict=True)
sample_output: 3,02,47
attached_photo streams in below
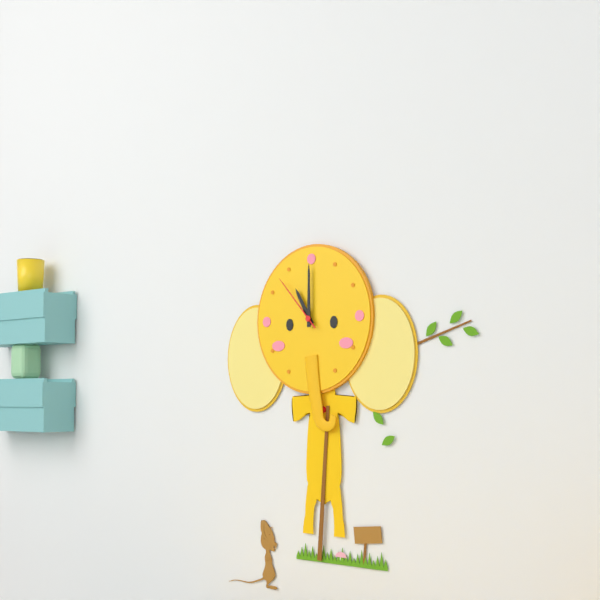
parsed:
11,00,53
